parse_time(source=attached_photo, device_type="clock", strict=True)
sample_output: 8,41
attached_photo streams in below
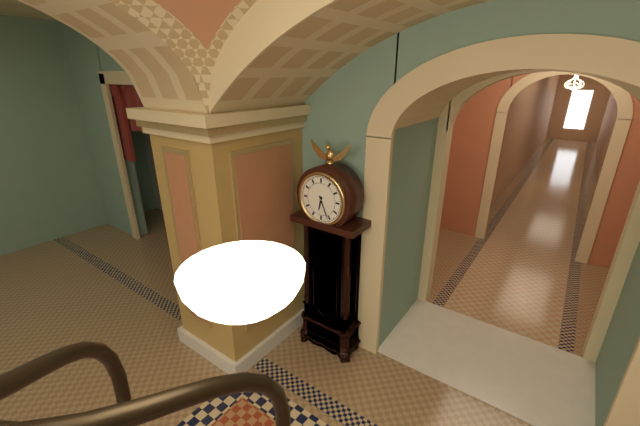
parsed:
6,26
